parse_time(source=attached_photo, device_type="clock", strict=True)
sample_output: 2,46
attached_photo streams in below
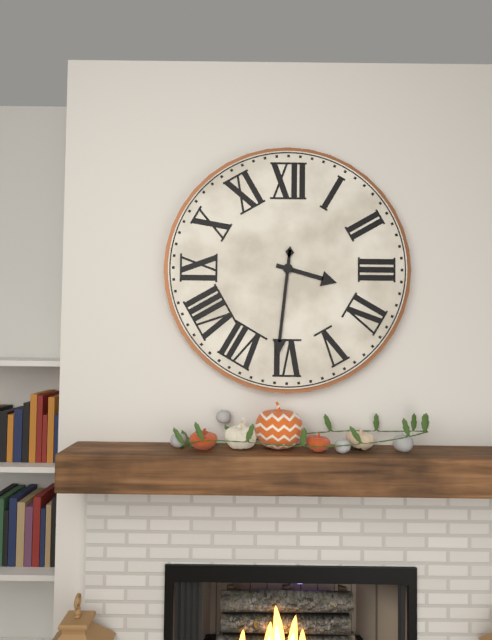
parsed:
3,31
